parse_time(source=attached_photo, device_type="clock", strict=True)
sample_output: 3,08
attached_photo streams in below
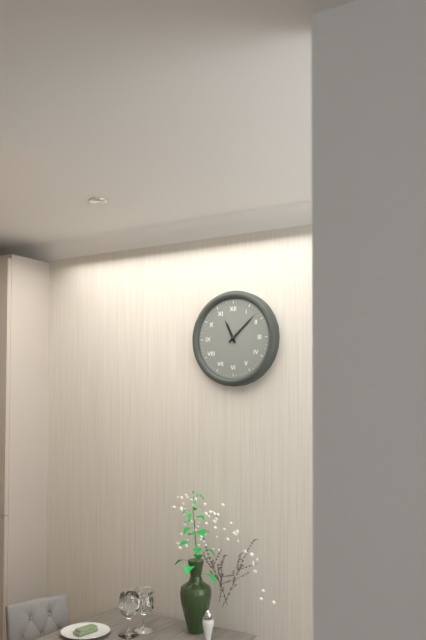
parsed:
11,08
